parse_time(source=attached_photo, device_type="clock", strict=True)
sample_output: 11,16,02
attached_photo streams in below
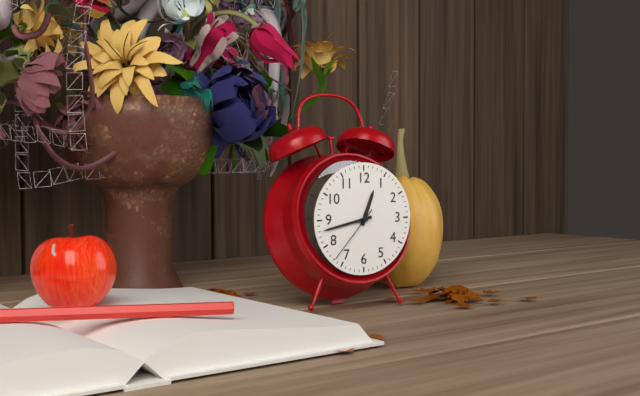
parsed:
12,43,37
